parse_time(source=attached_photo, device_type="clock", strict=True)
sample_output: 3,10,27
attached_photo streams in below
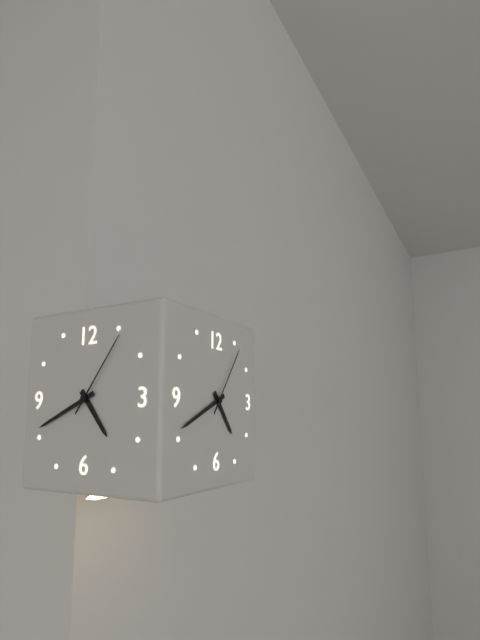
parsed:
4,41,06
